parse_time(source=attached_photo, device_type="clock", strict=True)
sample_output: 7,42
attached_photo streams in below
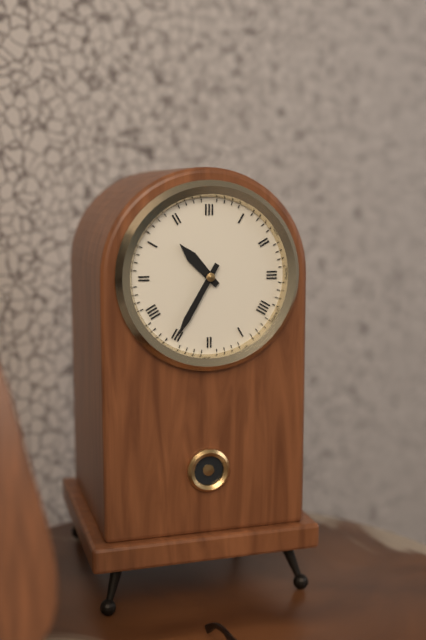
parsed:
10,35
